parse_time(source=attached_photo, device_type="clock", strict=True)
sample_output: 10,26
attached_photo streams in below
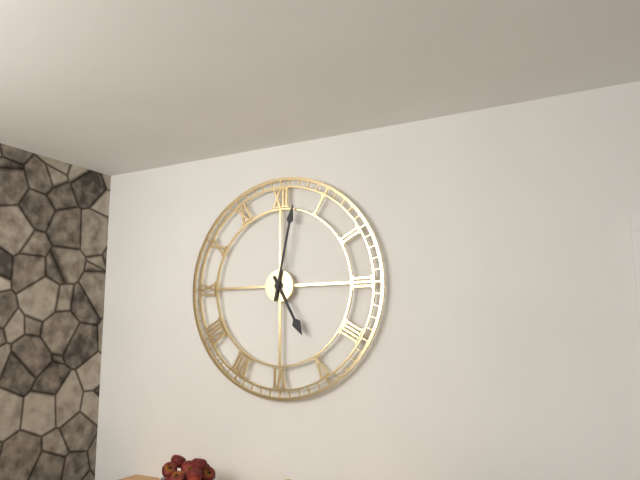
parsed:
5,02
